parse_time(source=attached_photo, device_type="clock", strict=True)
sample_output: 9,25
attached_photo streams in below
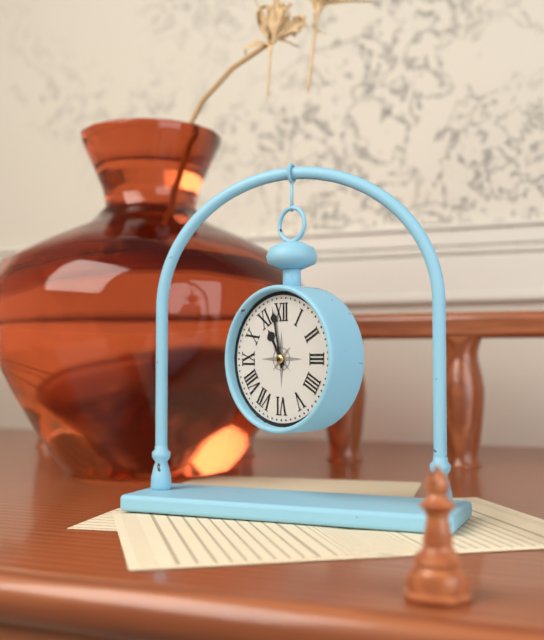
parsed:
10,58
